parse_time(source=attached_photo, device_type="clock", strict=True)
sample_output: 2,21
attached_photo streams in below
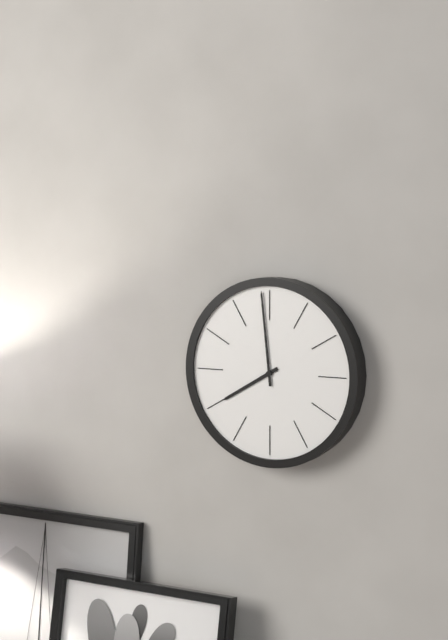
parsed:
7,59
